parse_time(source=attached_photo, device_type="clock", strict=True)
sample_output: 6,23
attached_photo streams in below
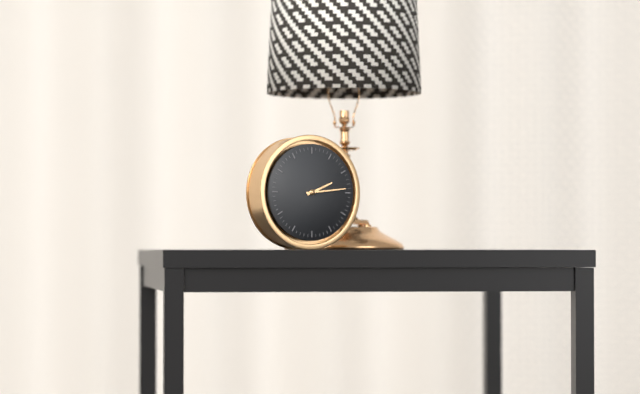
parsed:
2,14
